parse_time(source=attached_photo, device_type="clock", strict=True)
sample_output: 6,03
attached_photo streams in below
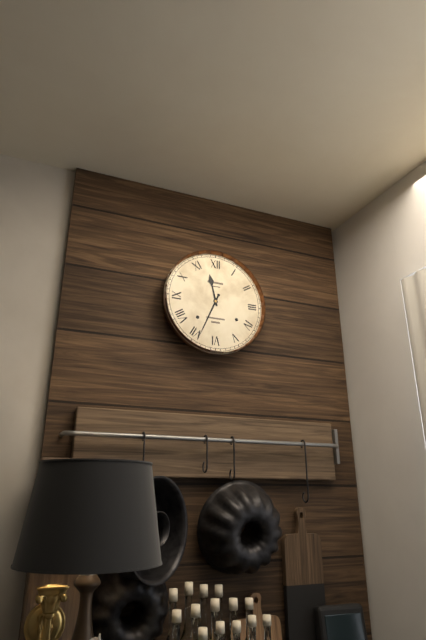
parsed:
11,34
